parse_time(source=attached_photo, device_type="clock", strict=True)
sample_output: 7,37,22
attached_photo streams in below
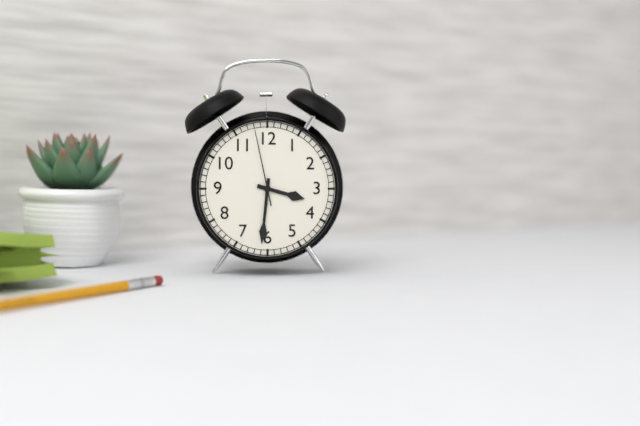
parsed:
3,31,58
